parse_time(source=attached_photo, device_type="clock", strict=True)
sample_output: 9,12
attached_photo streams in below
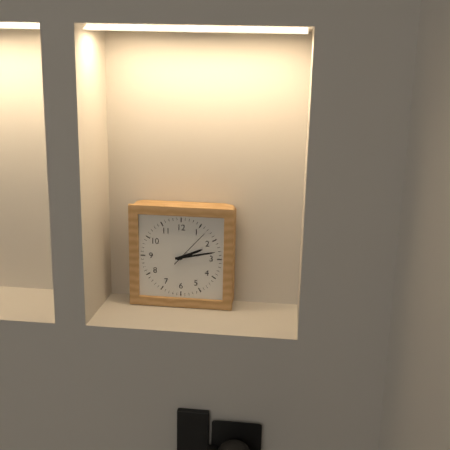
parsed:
2,13
